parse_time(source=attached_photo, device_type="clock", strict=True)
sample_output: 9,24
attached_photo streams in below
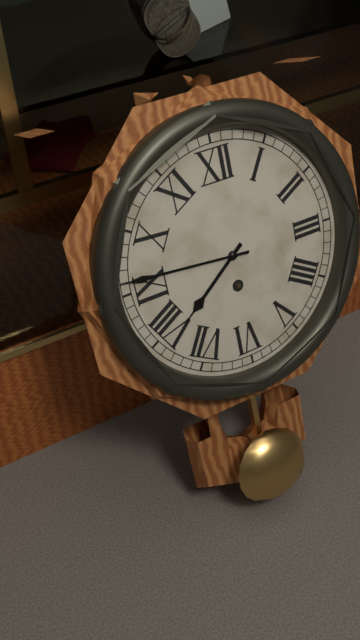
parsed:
7,46
